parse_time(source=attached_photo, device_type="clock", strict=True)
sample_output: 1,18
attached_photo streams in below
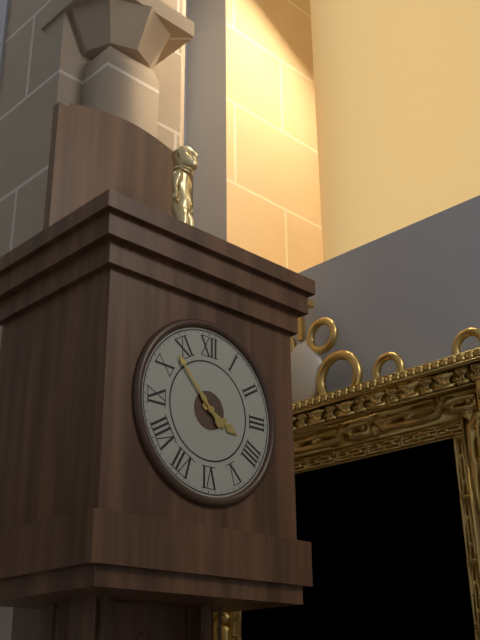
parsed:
3,53
